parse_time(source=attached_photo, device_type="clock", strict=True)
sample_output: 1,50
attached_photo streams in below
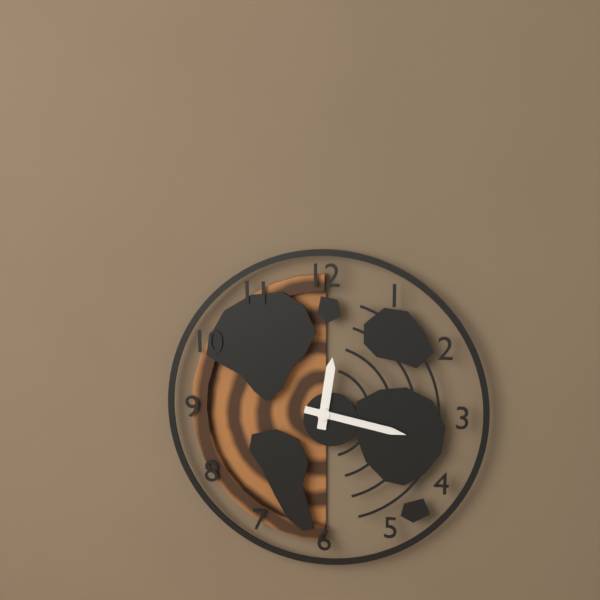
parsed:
12,17
